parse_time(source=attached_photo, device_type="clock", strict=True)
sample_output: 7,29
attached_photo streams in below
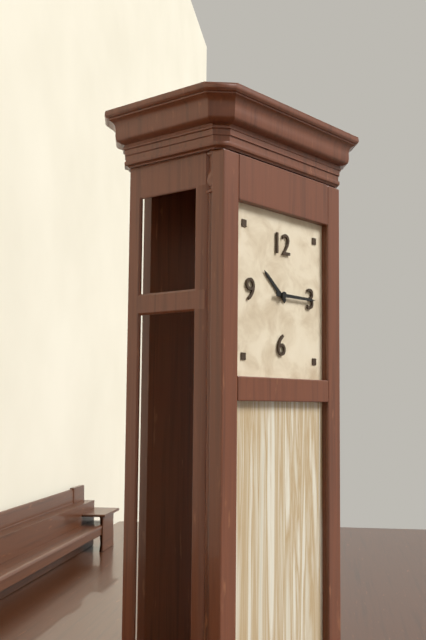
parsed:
10,15
